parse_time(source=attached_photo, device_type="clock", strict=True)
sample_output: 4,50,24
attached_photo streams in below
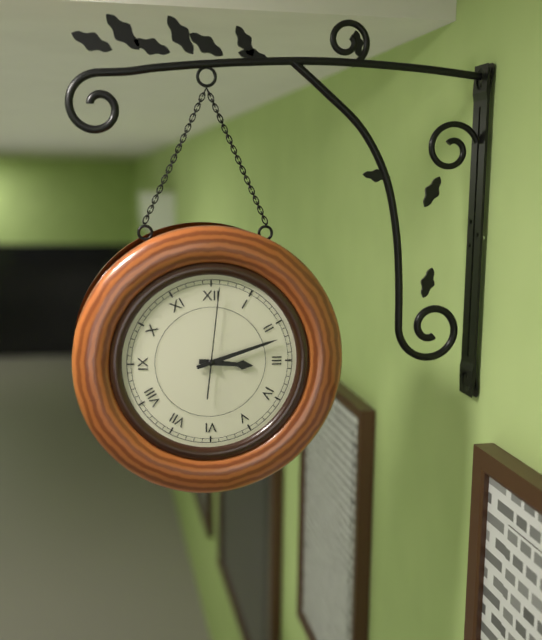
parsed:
3,12,01
